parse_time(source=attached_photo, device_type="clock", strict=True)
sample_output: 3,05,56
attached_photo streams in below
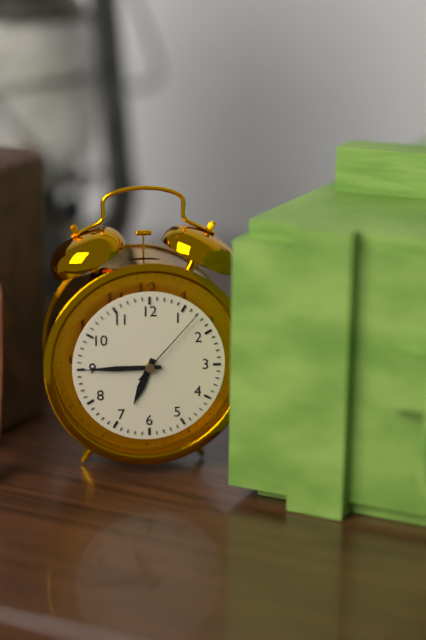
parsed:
6,45,07
